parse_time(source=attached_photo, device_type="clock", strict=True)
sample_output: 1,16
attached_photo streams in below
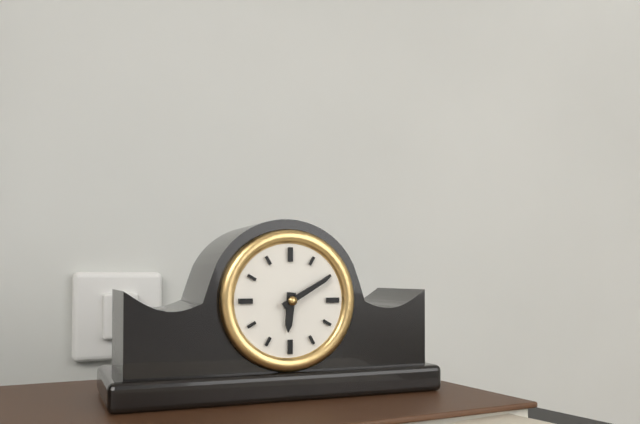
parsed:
6,10
